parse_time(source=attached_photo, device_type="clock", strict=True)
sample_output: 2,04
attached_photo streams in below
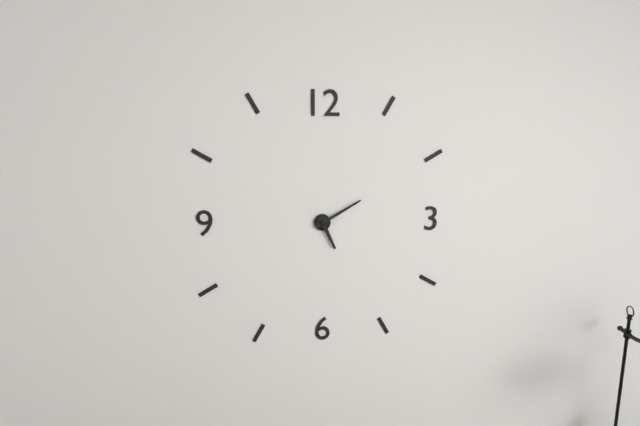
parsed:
5,10
